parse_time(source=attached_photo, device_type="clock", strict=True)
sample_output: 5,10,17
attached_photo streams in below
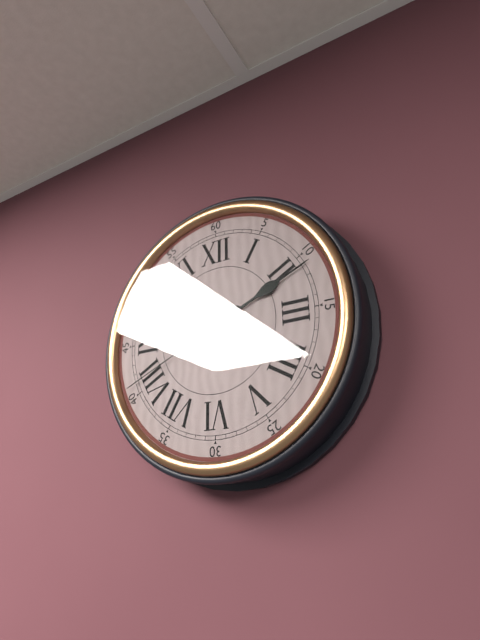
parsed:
9,11,41
